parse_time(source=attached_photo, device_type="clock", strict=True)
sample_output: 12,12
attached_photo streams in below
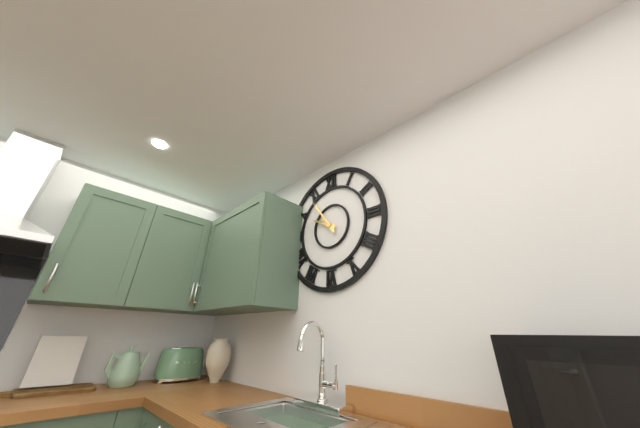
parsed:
9,54
